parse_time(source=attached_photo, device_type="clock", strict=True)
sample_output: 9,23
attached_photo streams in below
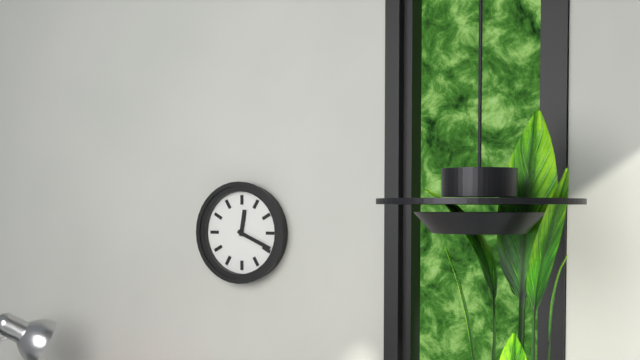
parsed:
12,19
